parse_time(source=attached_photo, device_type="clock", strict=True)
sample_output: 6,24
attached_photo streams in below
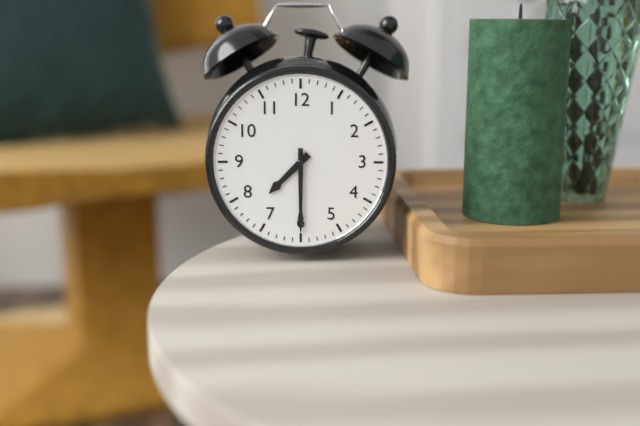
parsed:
7,30
